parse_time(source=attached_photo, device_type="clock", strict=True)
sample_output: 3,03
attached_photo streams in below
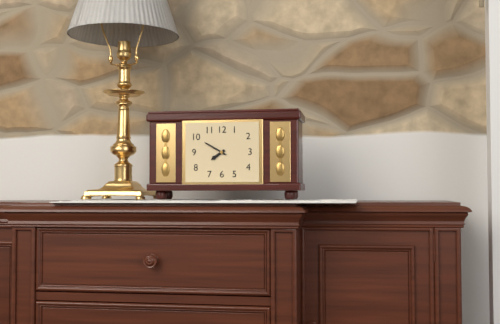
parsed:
7,50
